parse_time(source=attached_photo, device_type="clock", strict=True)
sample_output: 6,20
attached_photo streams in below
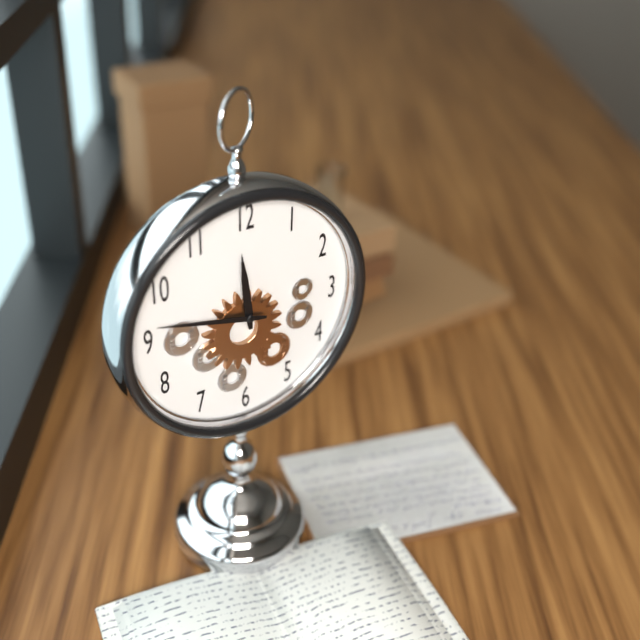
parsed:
11,47
